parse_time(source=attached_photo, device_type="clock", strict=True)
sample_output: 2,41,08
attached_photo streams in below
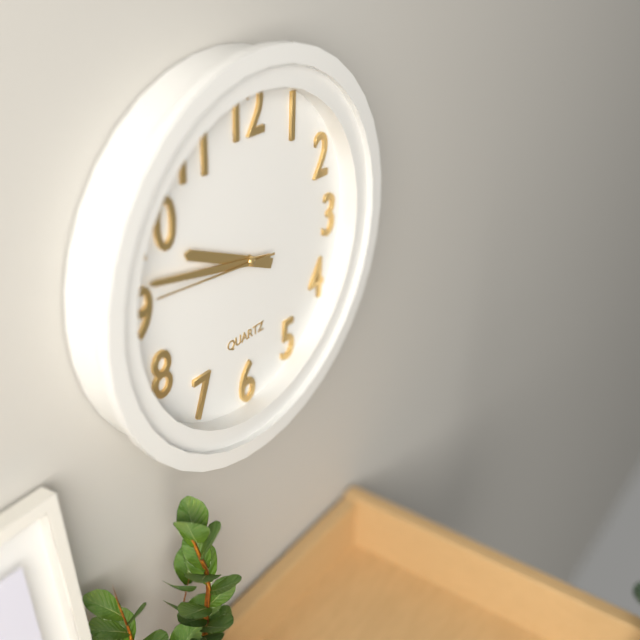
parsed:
9,47,46
